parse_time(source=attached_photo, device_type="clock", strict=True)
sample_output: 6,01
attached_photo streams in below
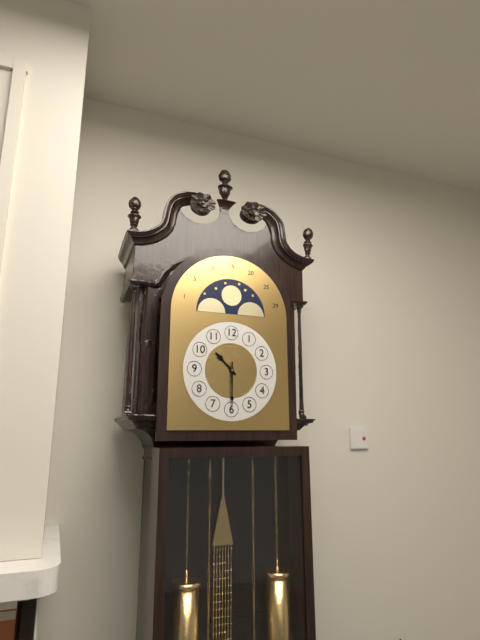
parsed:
10,30
